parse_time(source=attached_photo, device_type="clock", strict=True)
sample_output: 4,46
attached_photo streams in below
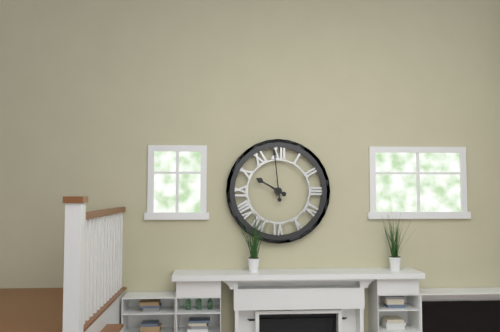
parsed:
9,59
